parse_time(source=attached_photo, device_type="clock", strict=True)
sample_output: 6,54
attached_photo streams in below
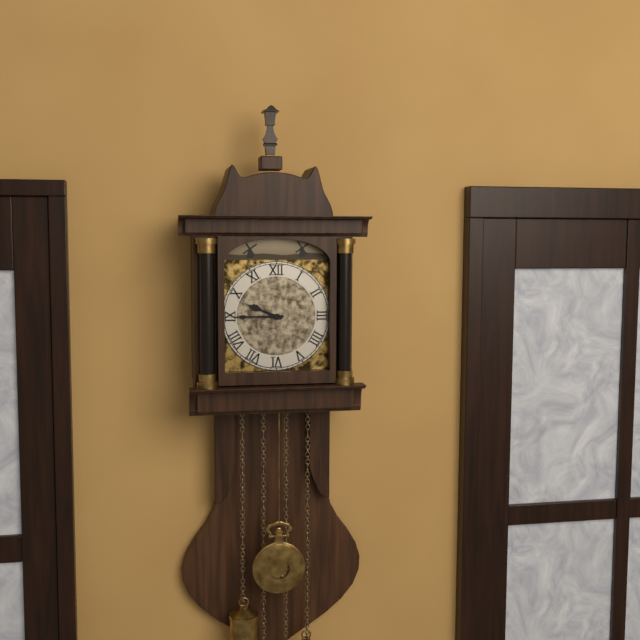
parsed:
9,45
